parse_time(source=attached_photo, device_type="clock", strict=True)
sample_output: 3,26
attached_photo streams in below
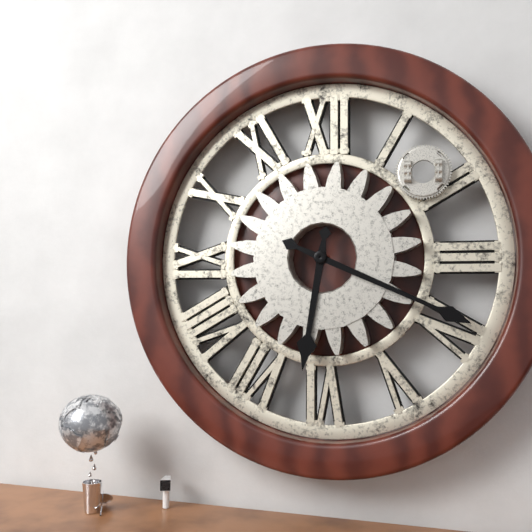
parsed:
6,19
